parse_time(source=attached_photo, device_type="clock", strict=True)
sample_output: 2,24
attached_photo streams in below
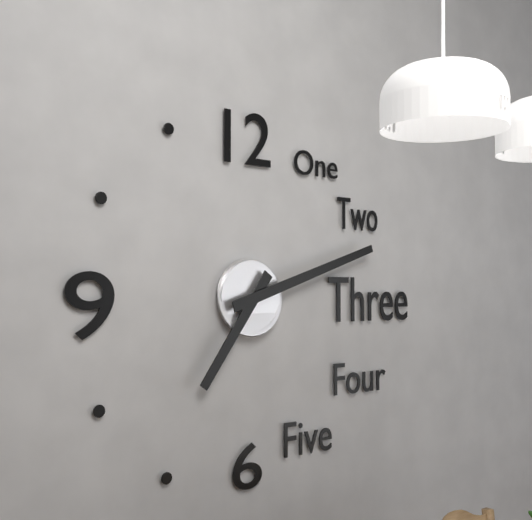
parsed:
7,12
